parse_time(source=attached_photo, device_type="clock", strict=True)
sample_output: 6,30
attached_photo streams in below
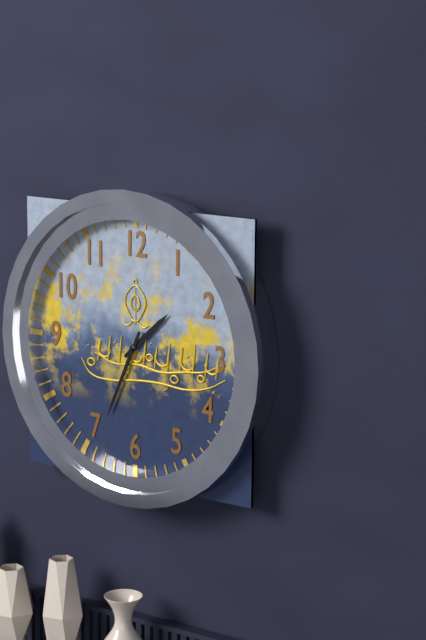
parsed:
1,34
